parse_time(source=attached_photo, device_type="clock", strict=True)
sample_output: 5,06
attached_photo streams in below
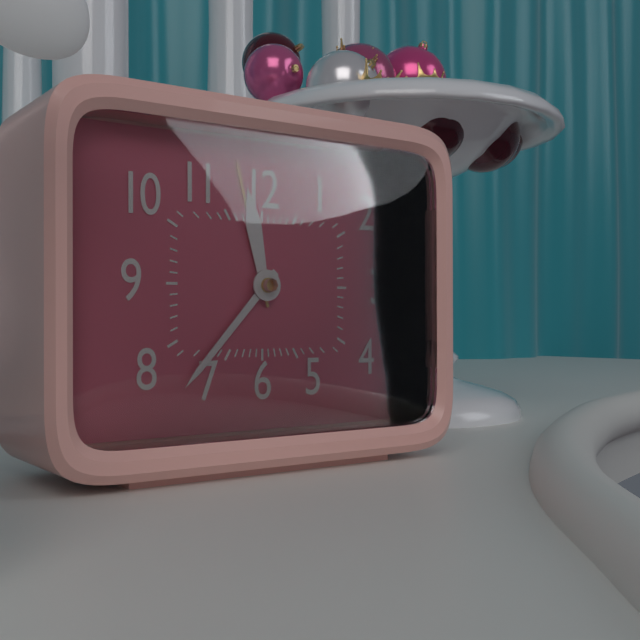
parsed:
11,37
